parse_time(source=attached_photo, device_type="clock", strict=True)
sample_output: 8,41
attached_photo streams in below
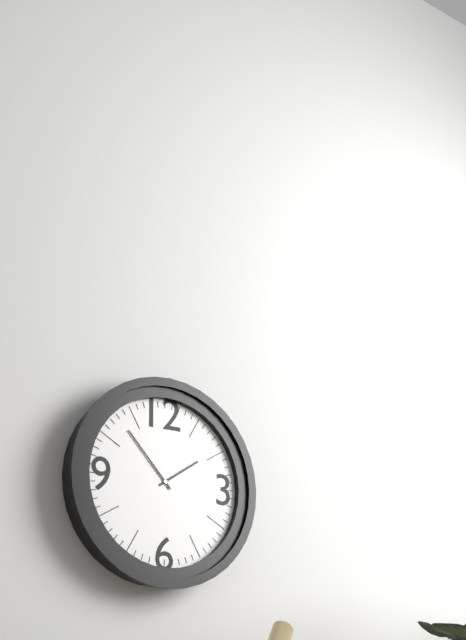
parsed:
1,53
